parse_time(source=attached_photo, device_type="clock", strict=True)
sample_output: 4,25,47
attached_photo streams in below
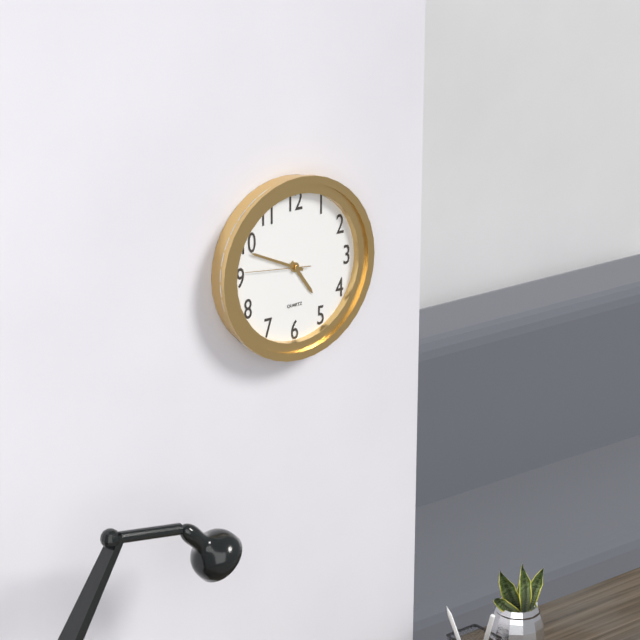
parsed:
4,49,46
